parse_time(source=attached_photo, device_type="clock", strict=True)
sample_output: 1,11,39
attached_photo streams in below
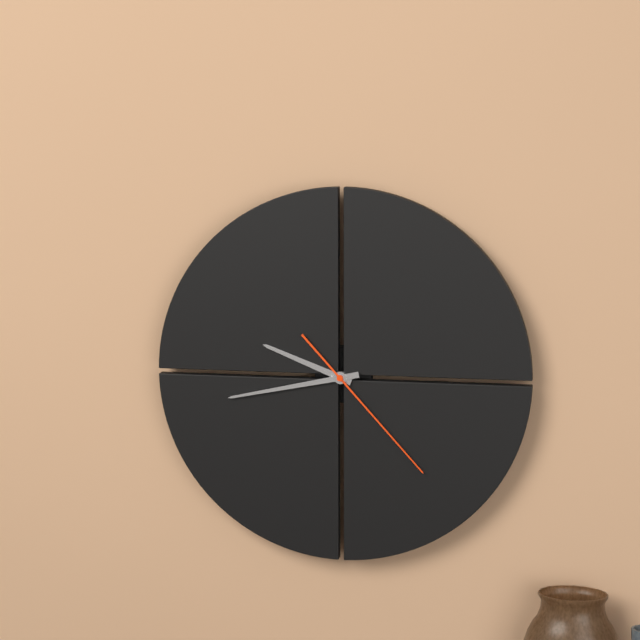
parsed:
9,43,23
